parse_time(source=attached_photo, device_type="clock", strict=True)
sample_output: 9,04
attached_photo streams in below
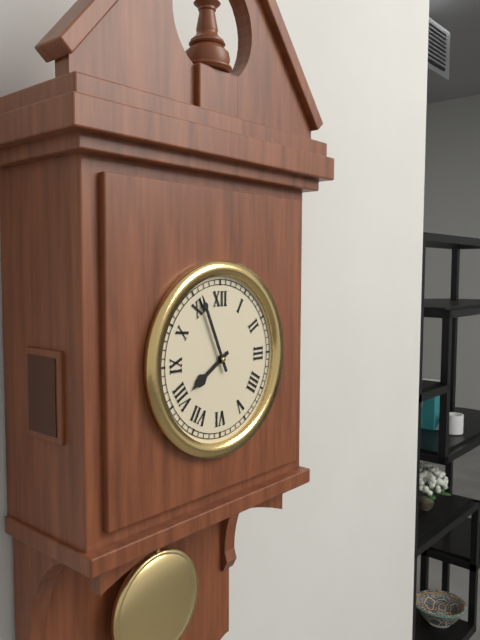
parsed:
7,56
